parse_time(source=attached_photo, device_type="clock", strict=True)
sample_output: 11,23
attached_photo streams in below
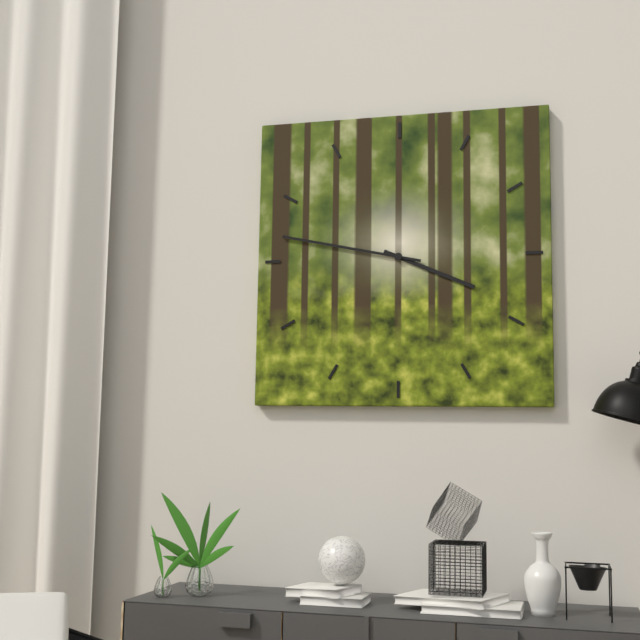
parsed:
3,47
